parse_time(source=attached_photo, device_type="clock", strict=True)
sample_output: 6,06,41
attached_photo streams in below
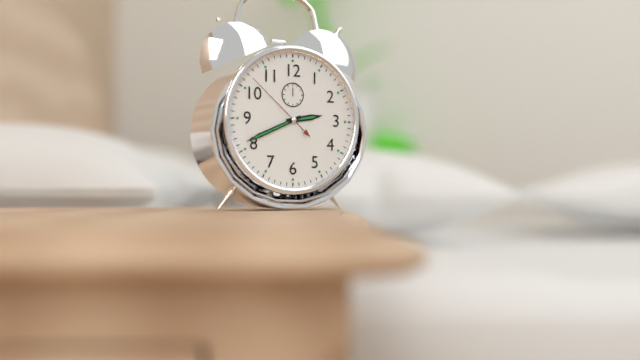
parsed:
2,41,52
